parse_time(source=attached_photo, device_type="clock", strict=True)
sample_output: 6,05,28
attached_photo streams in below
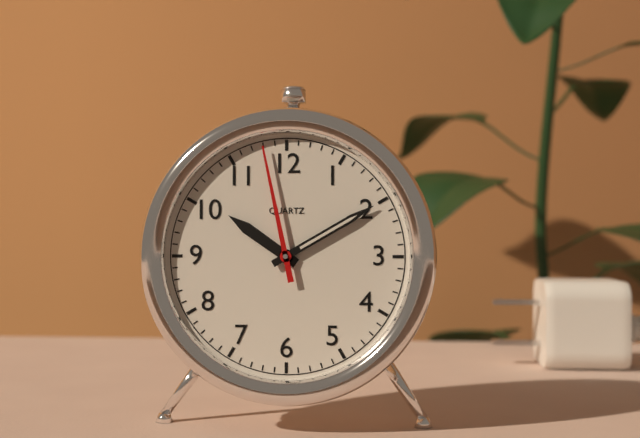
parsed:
10,10,58
